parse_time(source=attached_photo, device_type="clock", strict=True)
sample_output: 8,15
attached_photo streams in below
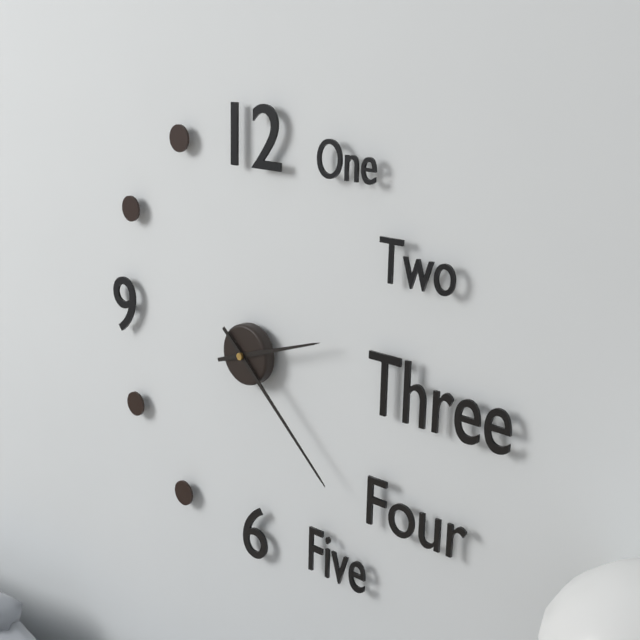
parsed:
2,22
